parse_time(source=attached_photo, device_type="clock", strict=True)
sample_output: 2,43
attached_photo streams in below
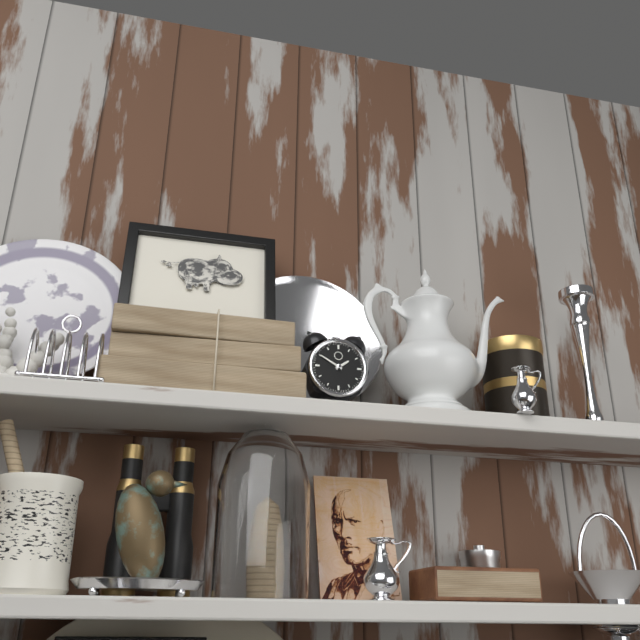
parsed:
1,50
